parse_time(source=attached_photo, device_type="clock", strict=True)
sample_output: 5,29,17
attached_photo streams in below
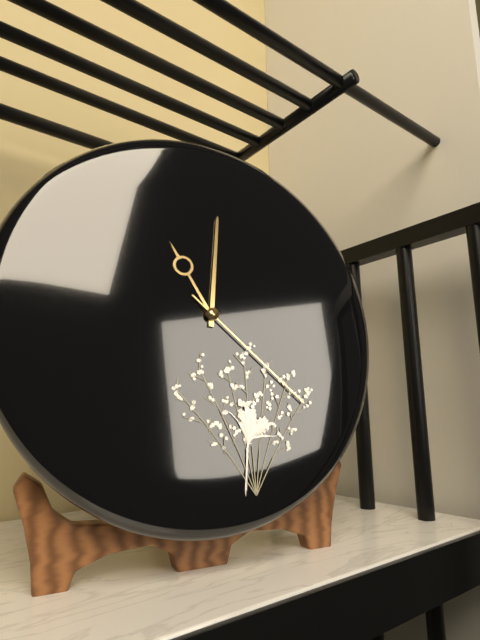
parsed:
11,01,22
